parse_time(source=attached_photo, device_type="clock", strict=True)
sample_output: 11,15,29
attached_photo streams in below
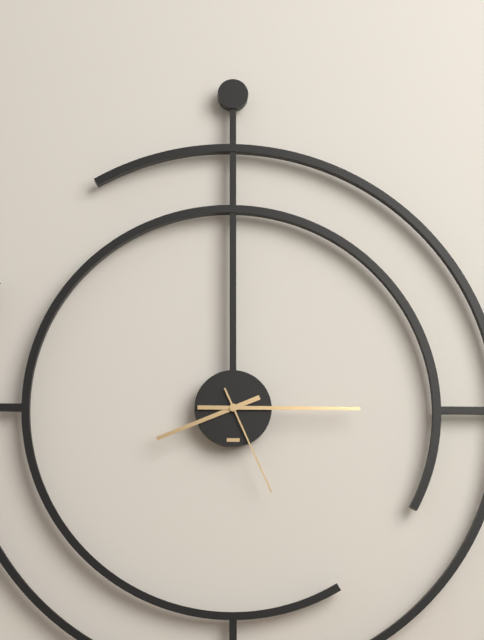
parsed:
8,15,26
